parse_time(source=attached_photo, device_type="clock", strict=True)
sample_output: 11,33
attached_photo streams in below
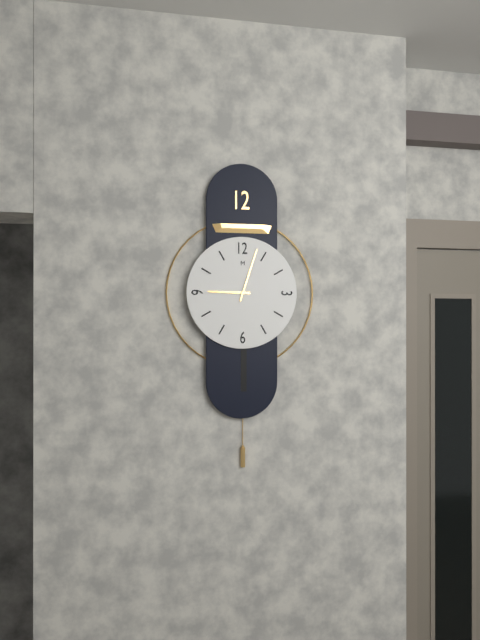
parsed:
9,03
